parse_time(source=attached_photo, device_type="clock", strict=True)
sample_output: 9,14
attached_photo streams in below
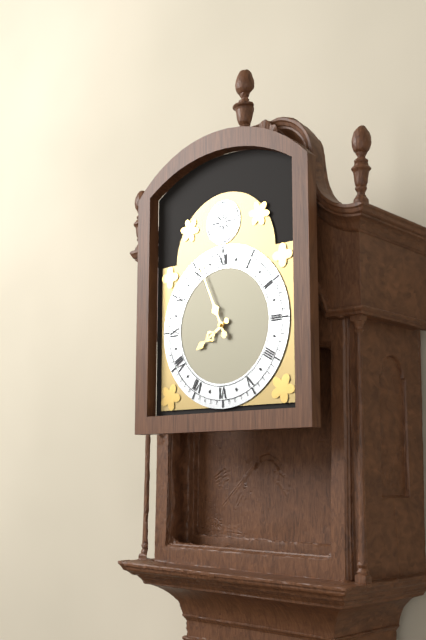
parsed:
7,56
